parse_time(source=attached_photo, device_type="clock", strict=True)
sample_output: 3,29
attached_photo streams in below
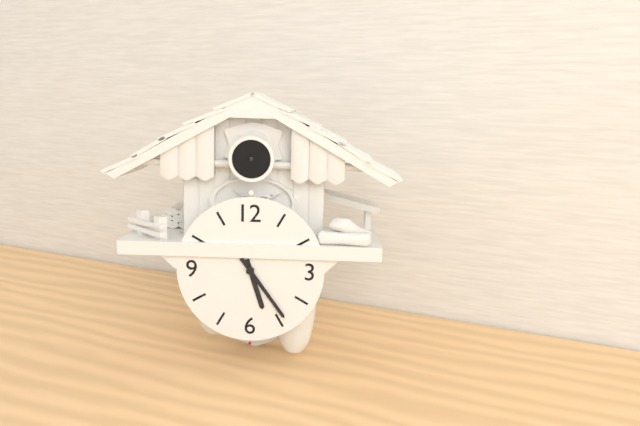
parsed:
5,24
